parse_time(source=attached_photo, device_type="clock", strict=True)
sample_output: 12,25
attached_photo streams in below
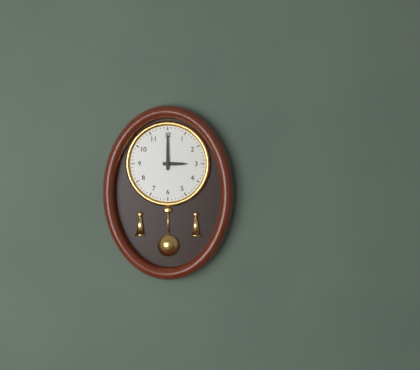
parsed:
3,00
